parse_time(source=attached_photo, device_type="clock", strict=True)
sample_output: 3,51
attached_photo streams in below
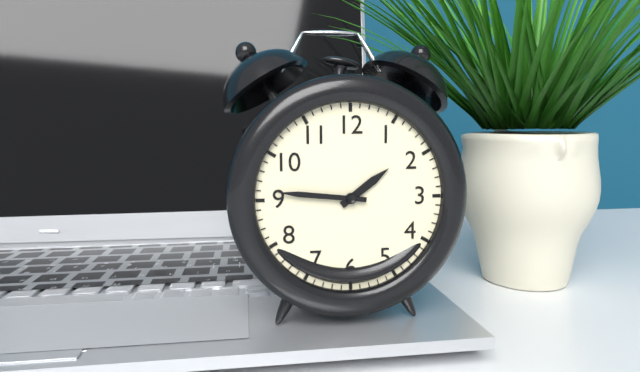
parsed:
1,46
